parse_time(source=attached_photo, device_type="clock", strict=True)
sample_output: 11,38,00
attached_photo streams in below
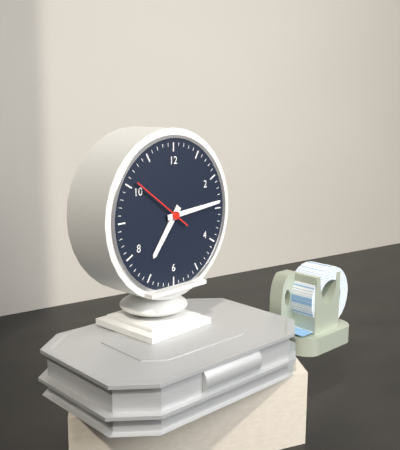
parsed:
7,14,51
